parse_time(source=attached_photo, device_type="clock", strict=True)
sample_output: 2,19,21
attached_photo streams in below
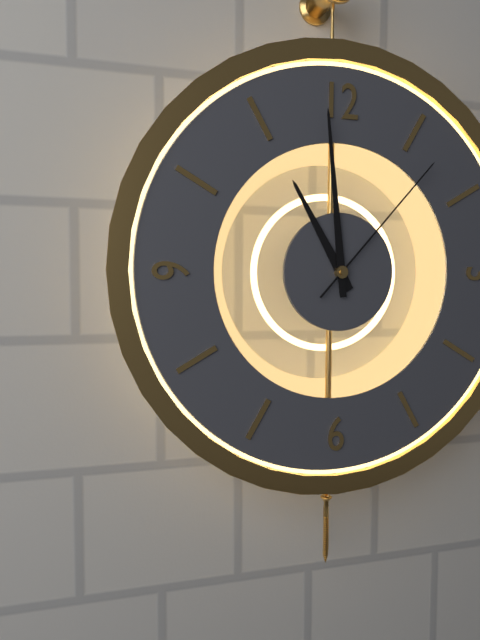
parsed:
10,59,07
